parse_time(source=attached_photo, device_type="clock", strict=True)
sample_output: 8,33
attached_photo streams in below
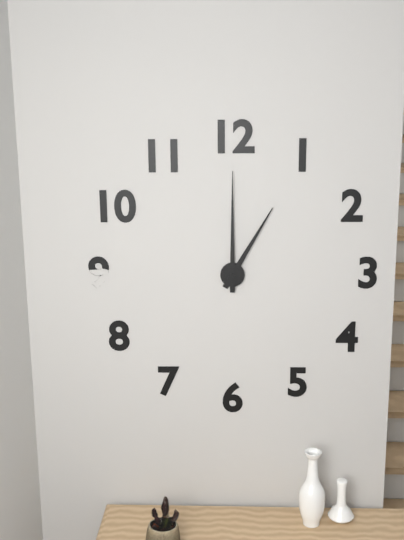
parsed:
1,00
